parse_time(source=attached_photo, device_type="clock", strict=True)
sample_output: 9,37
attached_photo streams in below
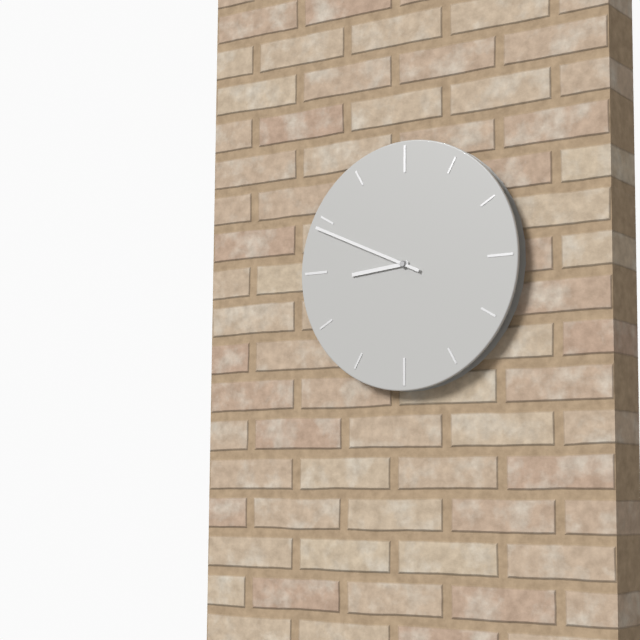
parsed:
8,49
